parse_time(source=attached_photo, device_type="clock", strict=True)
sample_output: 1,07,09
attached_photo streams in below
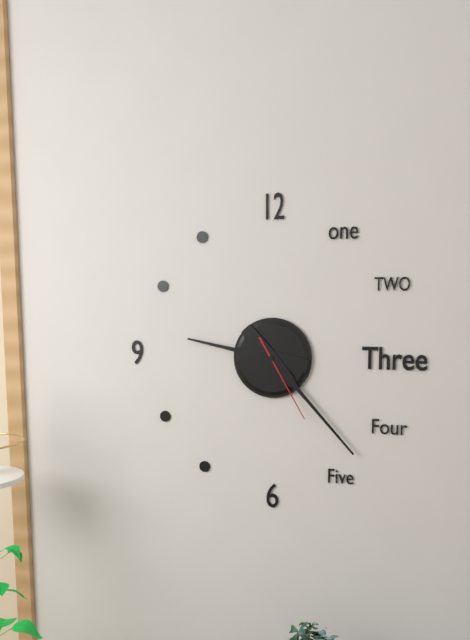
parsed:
9,23,25
